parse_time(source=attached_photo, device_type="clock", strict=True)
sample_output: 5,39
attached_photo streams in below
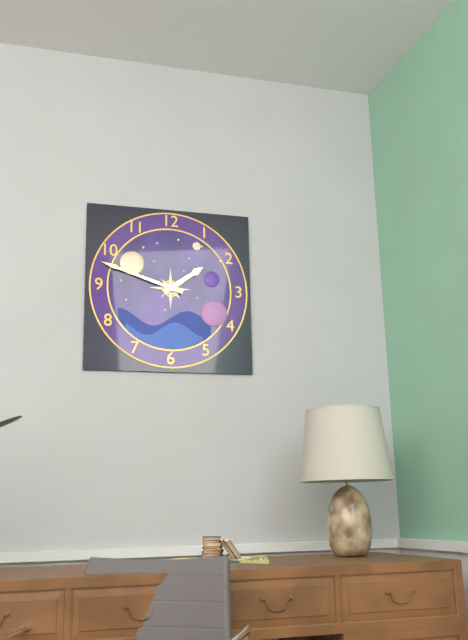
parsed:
1,48
